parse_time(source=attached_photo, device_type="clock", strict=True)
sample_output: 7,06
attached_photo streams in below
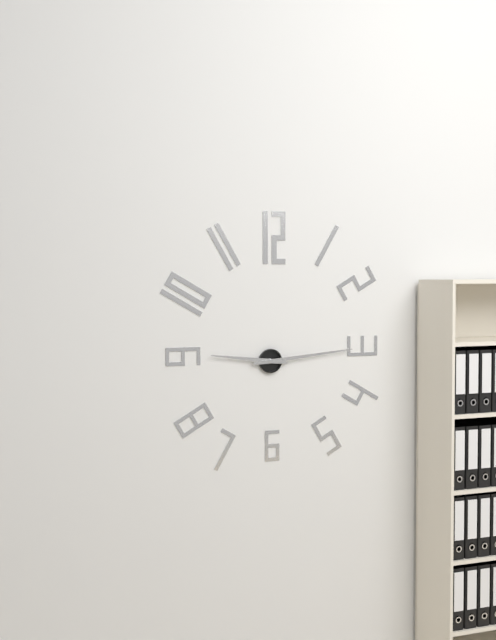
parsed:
9,14
